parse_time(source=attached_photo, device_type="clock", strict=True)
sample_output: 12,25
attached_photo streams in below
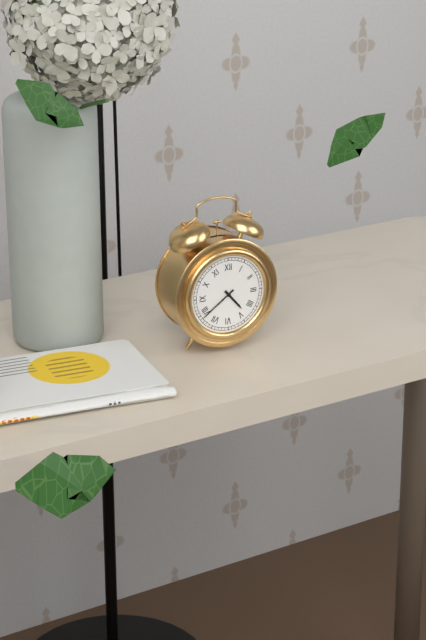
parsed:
4,39
